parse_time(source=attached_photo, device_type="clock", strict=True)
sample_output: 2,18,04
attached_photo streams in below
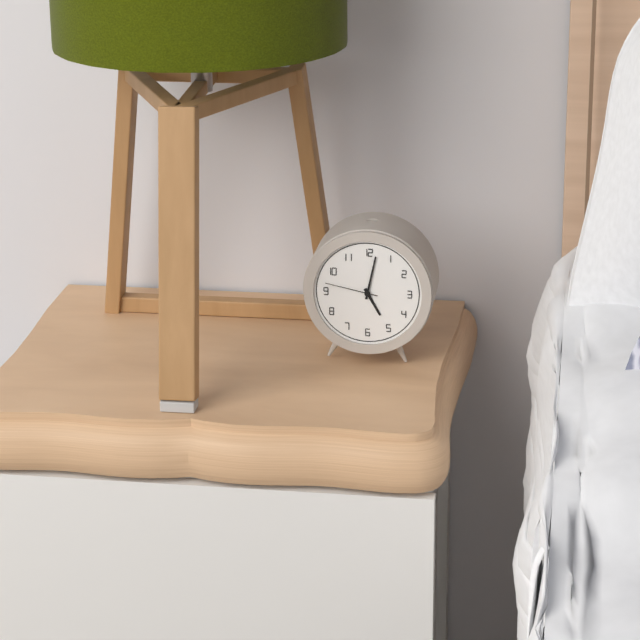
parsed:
5,02,47
